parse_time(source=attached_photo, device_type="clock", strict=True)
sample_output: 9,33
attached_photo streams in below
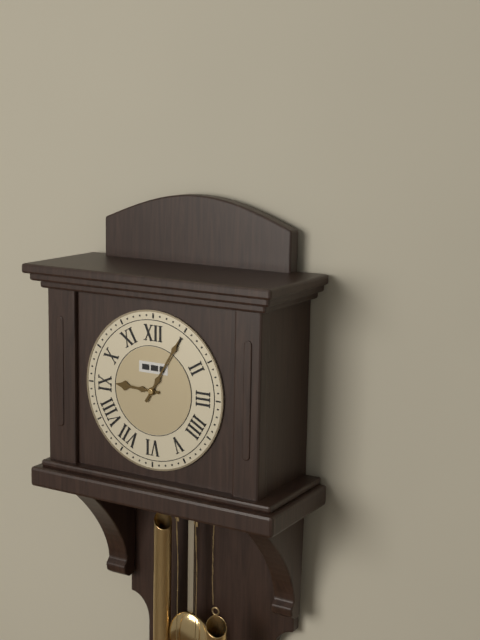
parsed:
9,05
